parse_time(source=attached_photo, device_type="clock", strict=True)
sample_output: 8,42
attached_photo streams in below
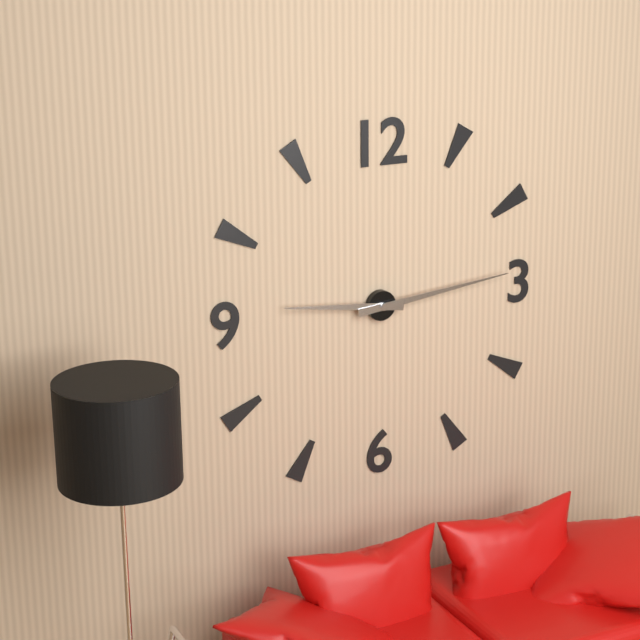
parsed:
9,14
